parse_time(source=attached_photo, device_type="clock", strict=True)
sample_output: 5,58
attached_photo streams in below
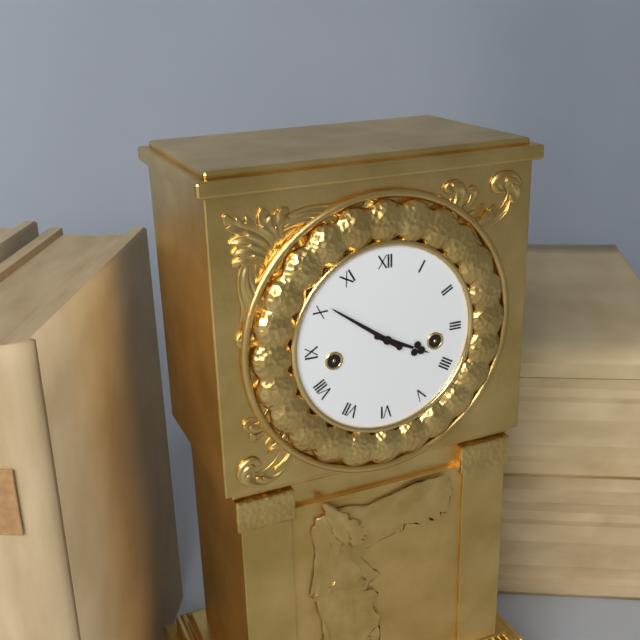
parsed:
3,51
